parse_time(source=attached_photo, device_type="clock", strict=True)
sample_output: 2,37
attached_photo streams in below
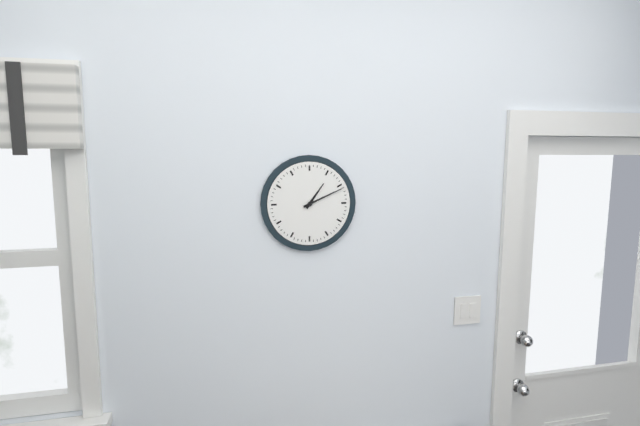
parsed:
1,11
